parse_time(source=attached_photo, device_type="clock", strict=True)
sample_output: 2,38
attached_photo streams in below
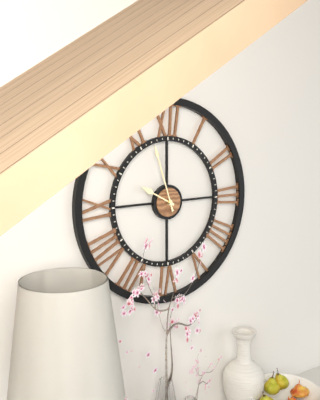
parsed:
9,57
